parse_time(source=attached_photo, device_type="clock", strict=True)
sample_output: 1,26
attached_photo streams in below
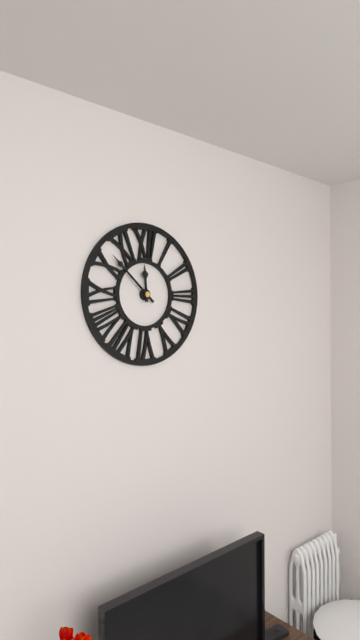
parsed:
11,52
